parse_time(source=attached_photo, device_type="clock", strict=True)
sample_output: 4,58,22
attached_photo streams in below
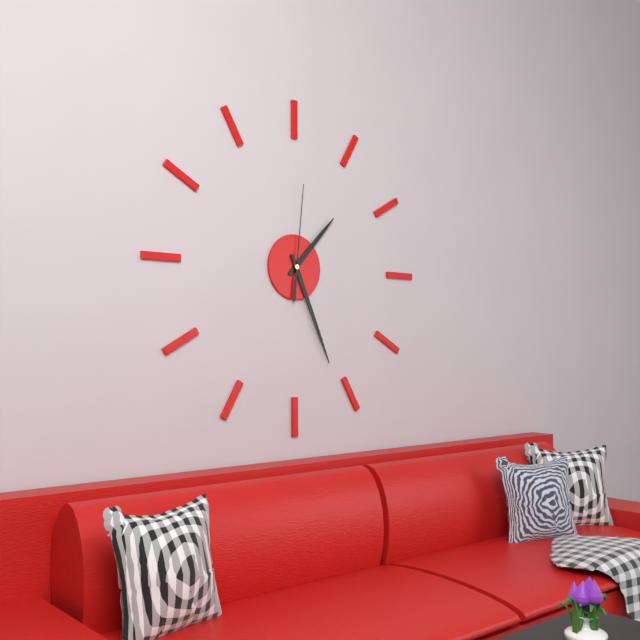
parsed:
1,26,01
